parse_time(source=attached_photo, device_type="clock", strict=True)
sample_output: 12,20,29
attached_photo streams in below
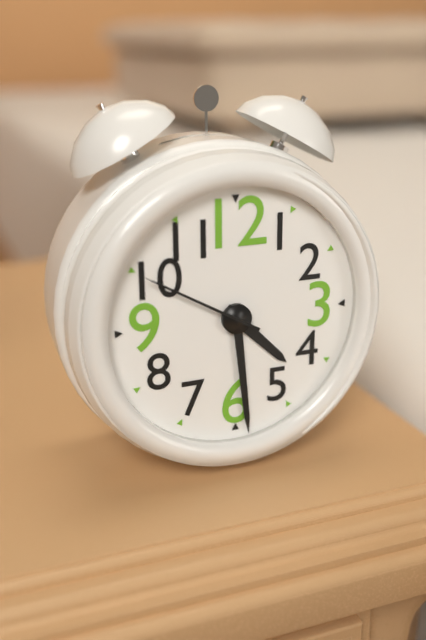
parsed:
4,29,50
